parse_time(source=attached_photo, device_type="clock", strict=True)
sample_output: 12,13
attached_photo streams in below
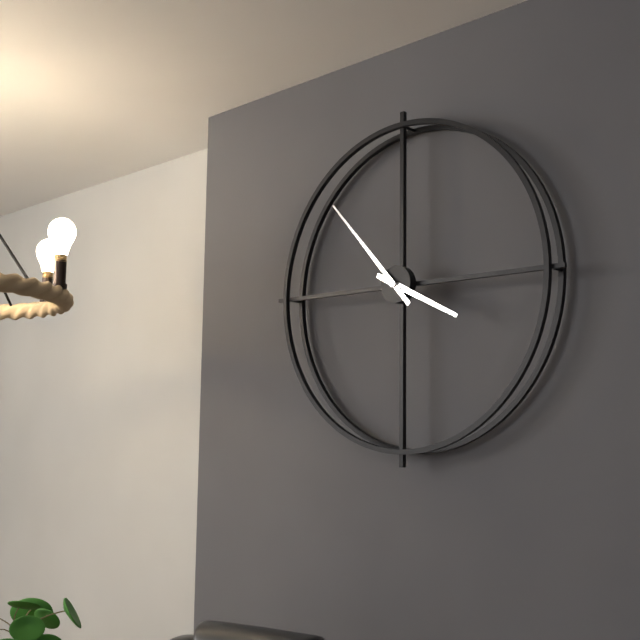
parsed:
3,53
